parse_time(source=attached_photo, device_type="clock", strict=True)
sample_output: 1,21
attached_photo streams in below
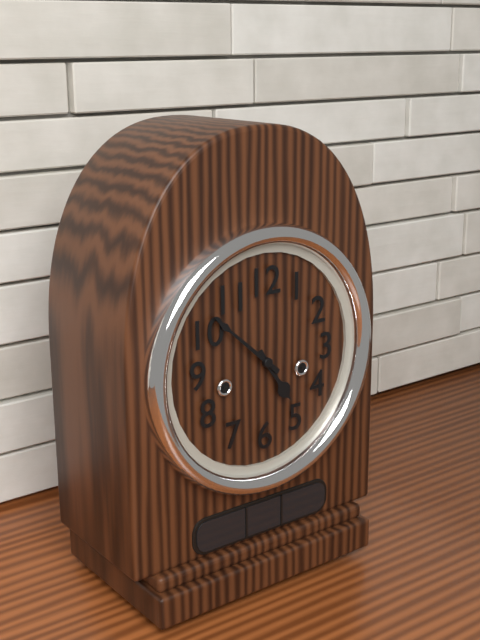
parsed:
4,52
